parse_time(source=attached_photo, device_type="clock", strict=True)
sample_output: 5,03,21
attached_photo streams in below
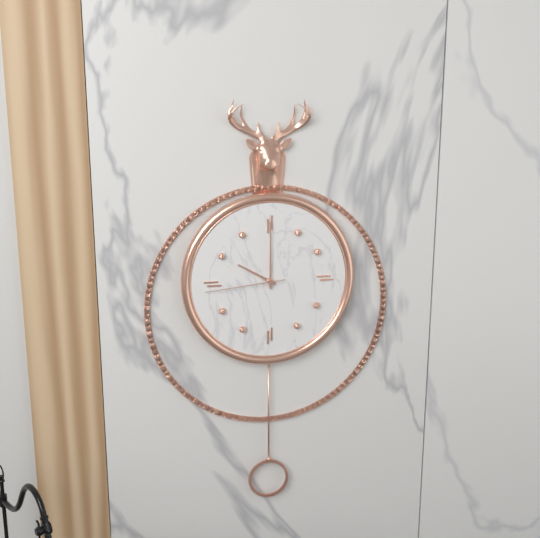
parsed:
10,00,44
